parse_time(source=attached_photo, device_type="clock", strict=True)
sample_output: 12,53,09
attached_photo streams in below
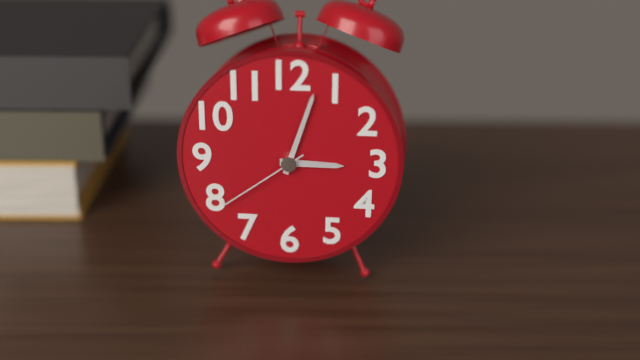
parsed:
3,03,39
